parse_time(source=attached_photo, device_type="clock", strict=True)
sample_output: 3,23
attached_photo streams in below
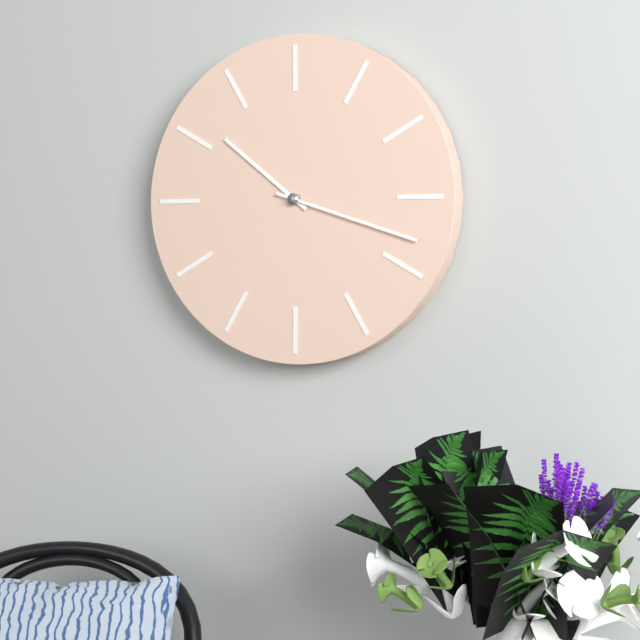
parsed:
10,18
